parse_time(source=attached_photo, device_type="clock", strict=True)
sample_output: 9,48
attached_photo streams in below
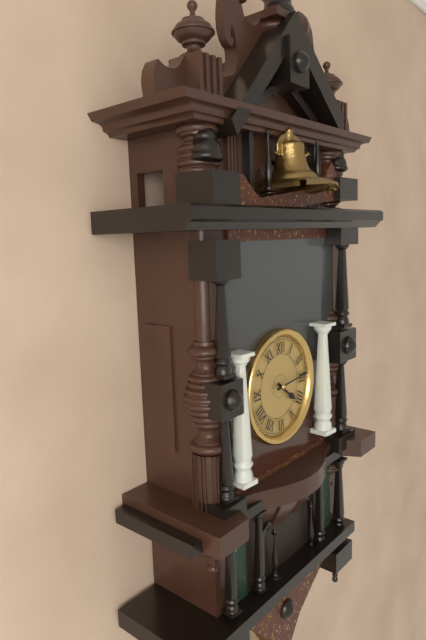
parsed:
4,14
